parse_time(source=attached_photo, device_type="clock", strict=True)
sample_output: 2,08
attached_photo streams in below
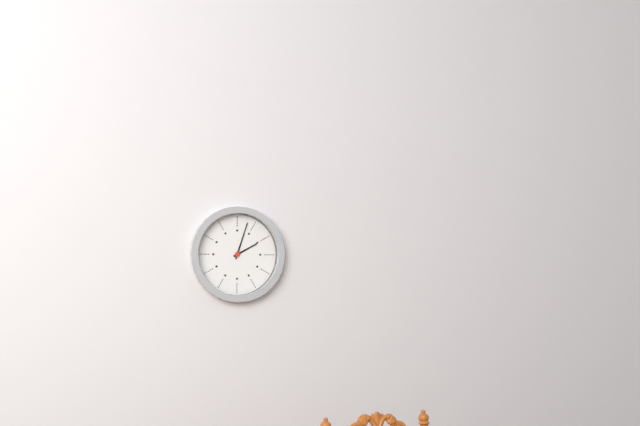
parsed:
2,03
